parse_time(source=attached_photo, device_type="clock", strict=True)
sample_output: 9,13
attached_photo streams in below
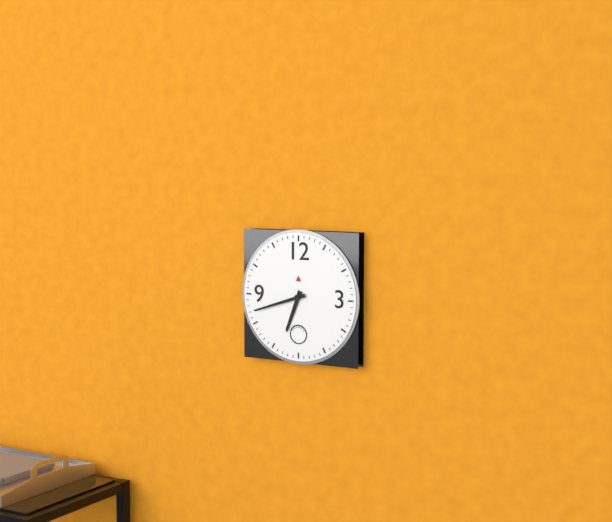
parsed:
6,42
